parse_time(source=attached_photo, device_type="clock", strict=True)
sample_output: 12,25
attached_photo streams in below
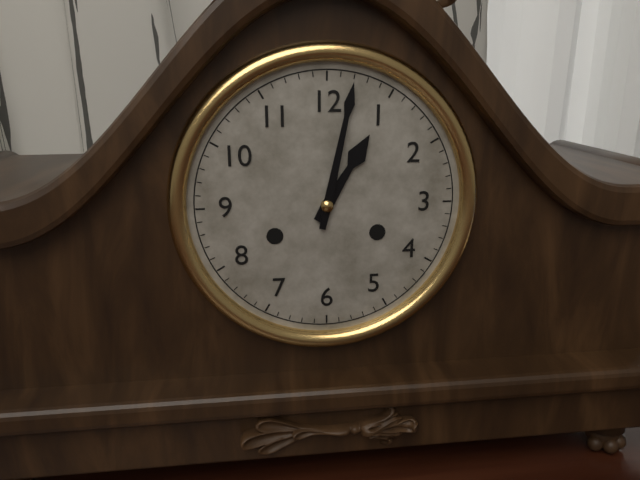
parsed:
1,02
